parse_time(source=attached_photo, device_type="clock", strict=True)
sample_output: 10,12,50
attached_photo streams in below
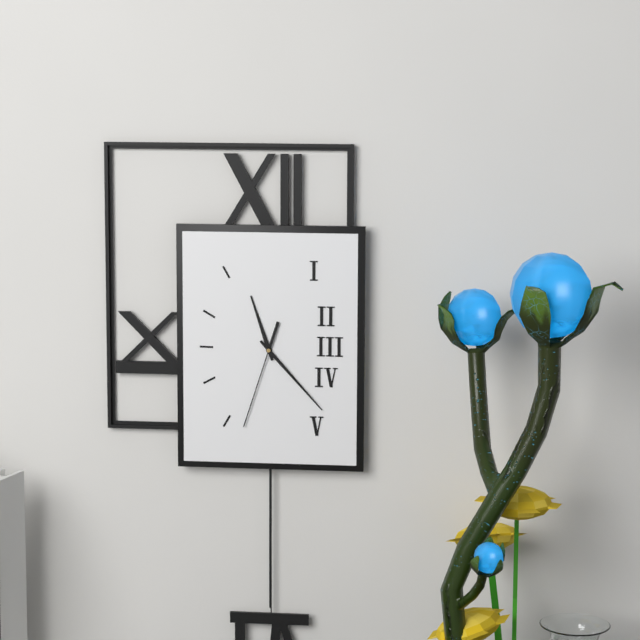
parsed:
11,23,33
